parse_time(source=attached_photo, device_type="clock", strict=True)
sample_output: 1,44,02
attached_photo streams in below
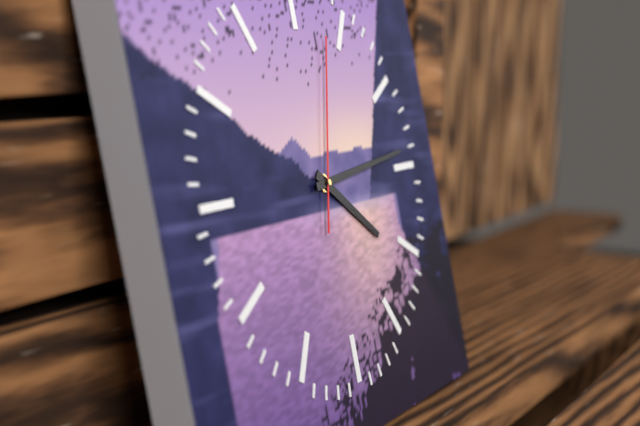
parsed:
4,14,03
